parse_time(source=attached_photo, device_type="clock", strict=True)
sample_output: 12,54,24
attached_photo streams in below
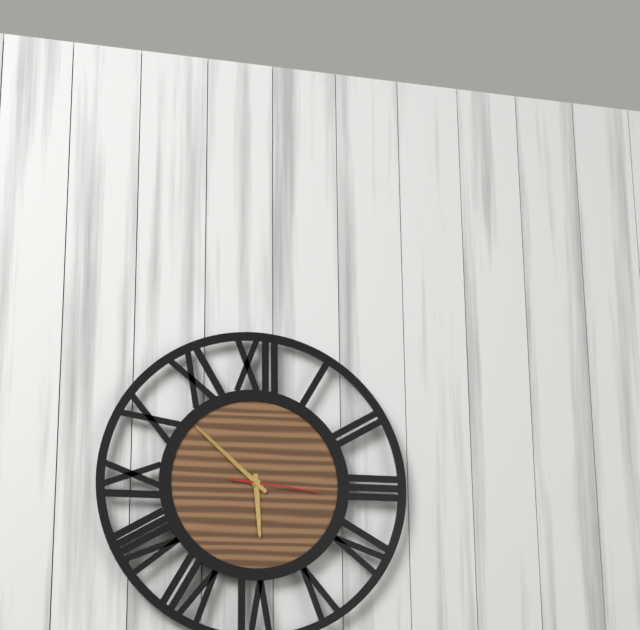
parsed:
5,52,16
